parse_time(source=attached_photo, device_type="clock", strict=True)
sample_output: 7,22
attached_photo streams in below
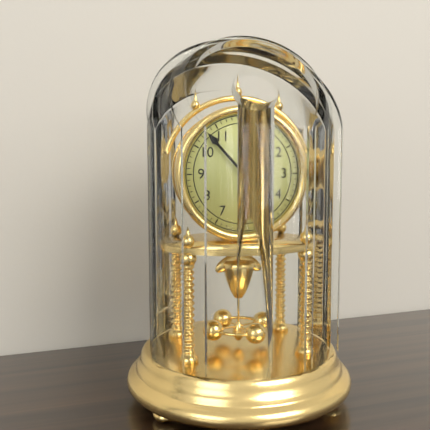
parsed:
12,53
